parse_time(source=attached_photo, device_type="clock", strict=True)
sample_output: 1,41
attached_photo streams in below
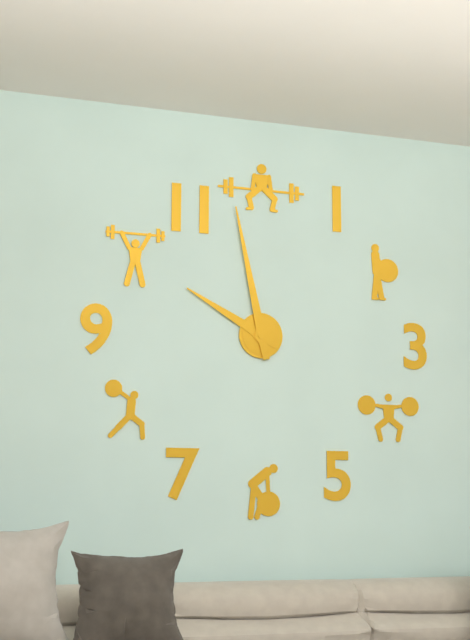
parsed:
9,58
